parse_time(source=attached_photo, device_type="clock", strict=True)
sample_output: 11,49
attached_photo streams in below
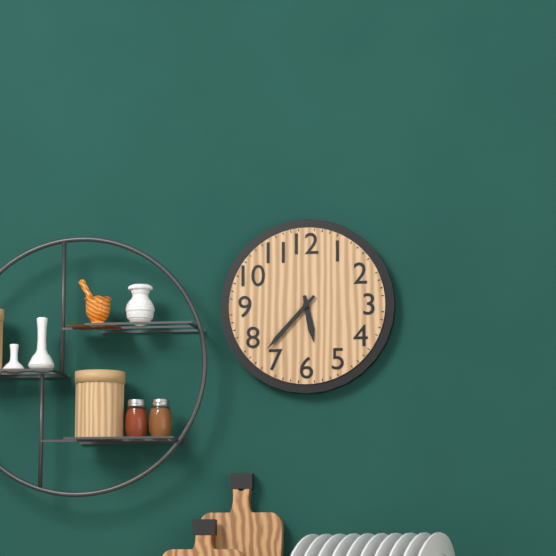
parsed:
5,37
